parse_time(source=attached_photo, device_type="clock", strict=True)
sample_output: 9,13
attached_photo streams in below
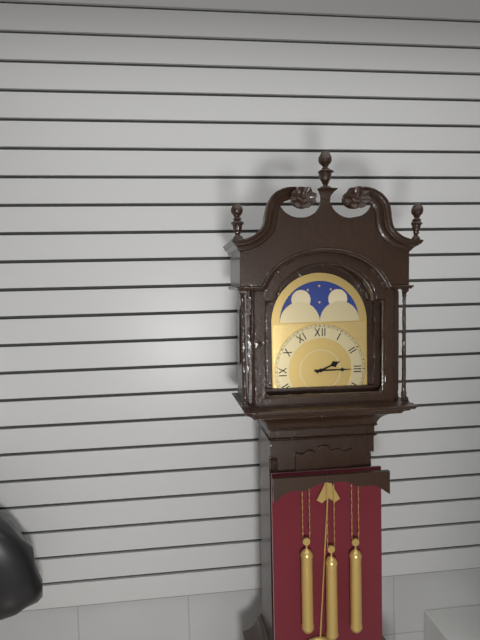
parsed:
2,15
